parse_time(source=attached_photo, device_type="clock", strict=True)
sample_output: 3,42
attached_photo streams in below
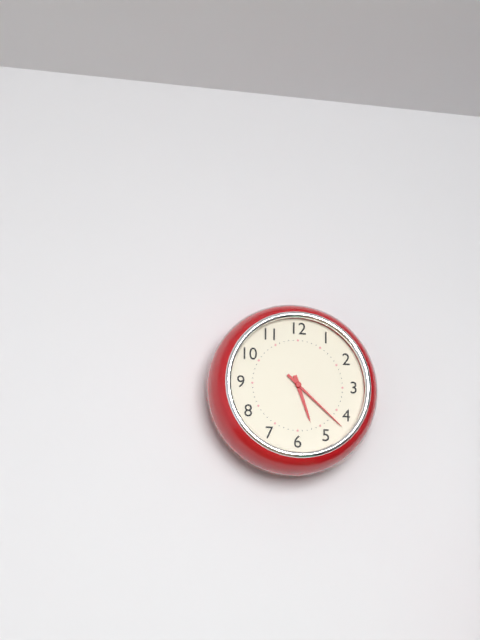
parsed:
5,22
